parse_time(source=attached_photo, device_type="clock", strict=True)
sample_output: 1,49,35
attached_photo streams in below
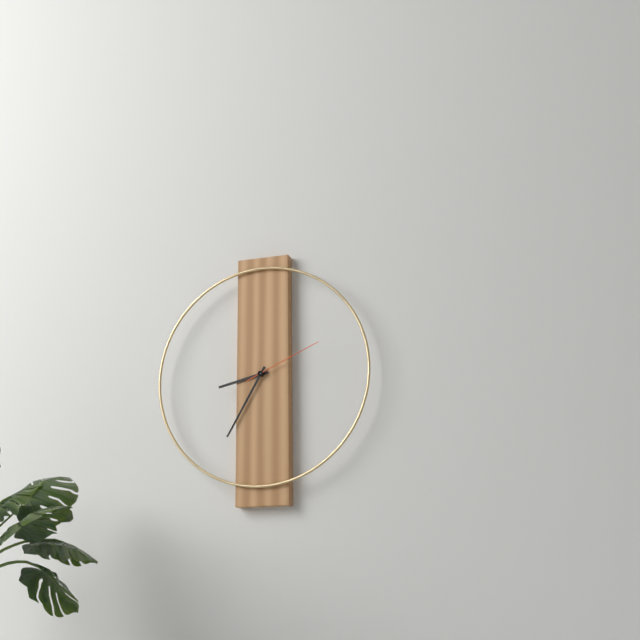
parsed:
8,35,11
